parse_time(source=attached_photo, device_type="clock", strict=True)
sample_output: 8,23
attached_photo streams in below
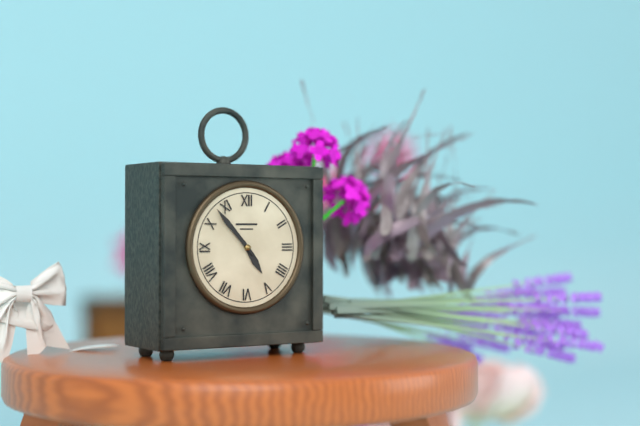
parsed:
4,53
